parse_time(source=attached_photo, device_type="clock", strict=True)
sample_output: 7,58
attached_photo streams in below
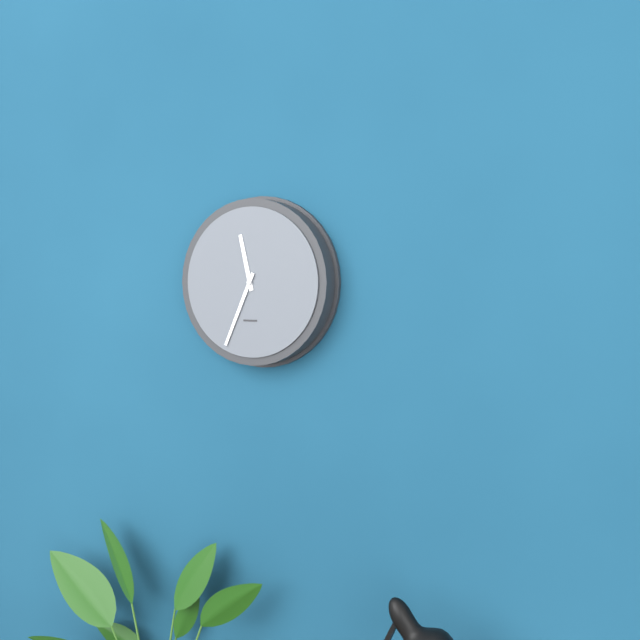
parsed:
11,34
